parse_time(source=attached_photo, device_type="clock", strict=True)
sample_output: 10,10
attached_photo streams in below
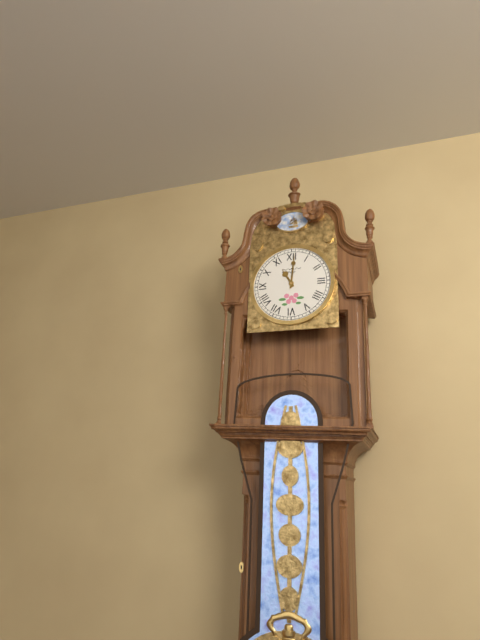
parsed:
11,01
